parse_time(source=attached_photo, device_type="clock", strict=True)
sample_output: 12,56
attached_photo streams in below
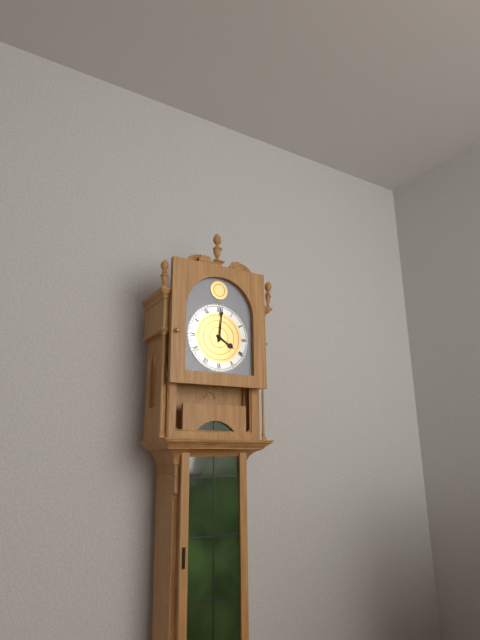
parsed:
4,01
